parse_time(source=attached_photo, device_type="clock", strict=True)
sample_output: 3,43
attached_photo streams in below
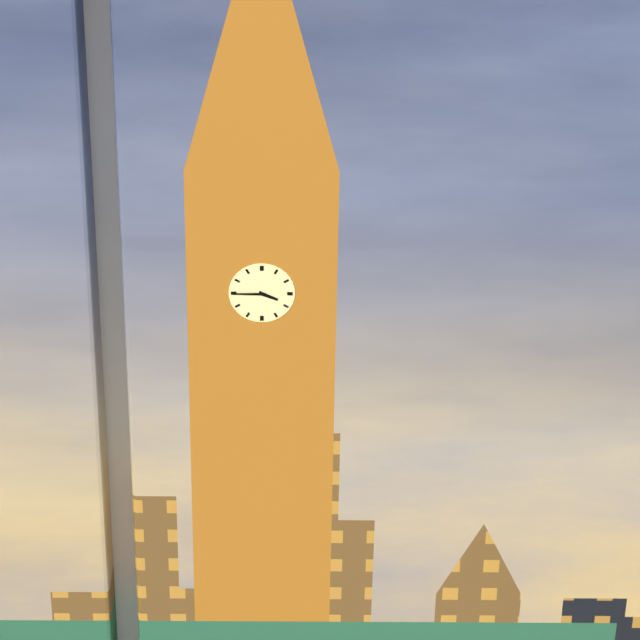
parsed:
3,45
